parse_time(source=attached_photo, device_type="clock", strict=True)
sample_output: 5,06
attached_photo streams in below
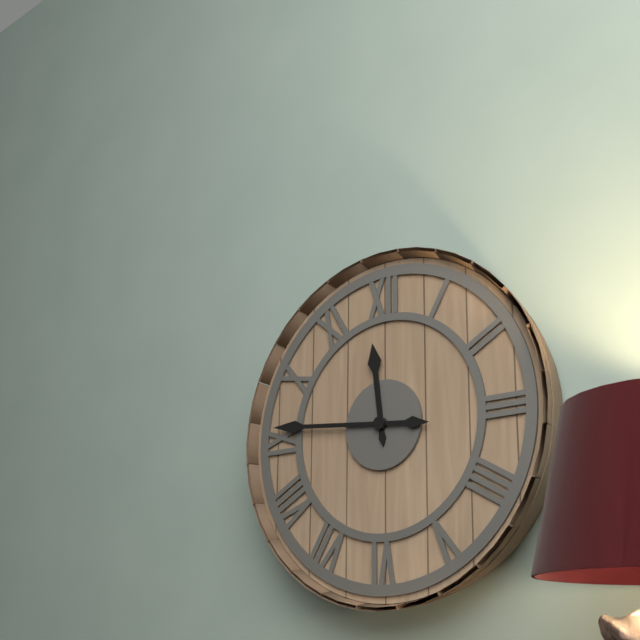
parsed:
11,46
